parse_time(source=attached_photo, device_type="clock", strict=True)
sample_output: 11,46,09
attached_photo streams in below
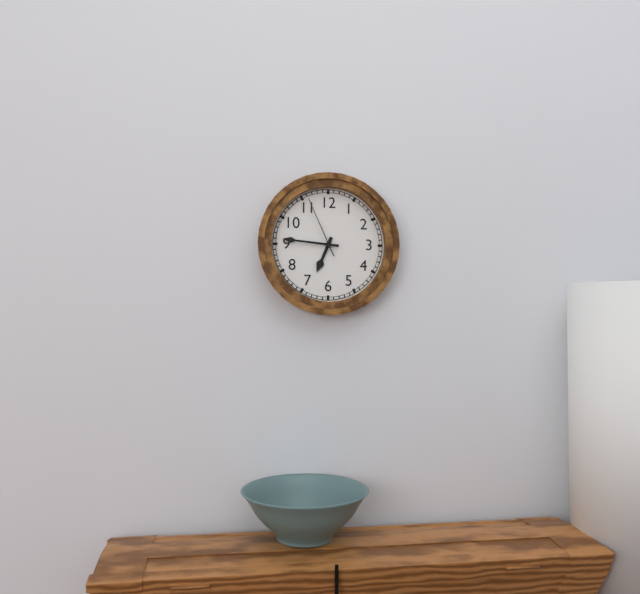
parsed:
6,46,56
